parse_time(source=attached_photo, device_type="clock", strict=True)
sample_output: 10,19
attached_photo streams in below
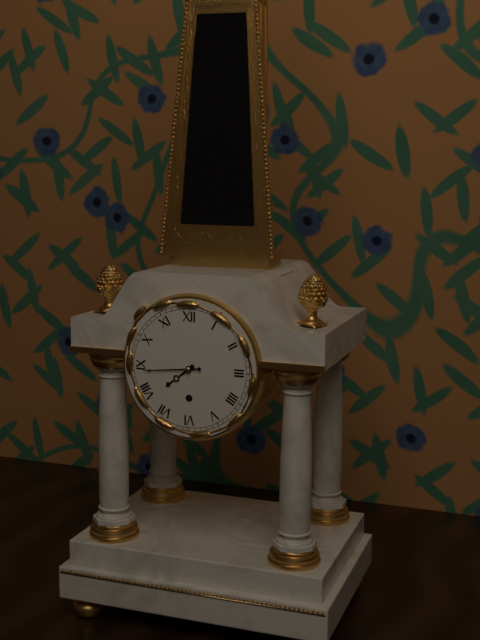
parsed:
7,44
